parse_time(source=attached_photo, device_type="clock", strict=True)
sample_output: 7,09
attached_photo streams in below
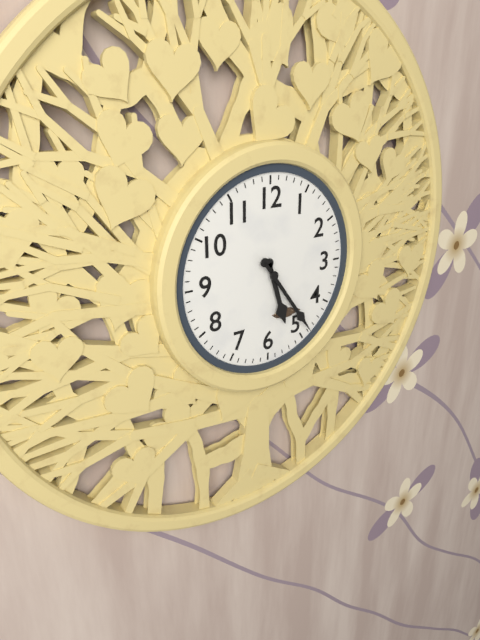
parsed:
5,24
